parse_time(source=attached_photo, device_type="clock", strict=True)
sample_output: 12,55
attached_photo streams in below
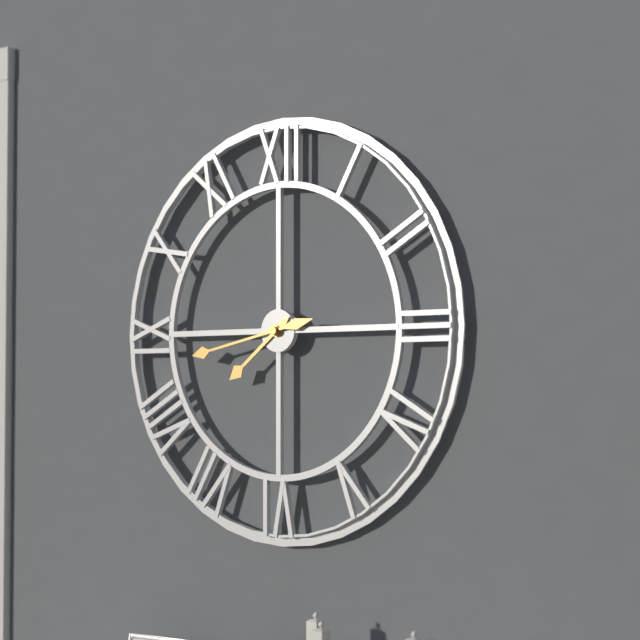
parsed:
7,43
